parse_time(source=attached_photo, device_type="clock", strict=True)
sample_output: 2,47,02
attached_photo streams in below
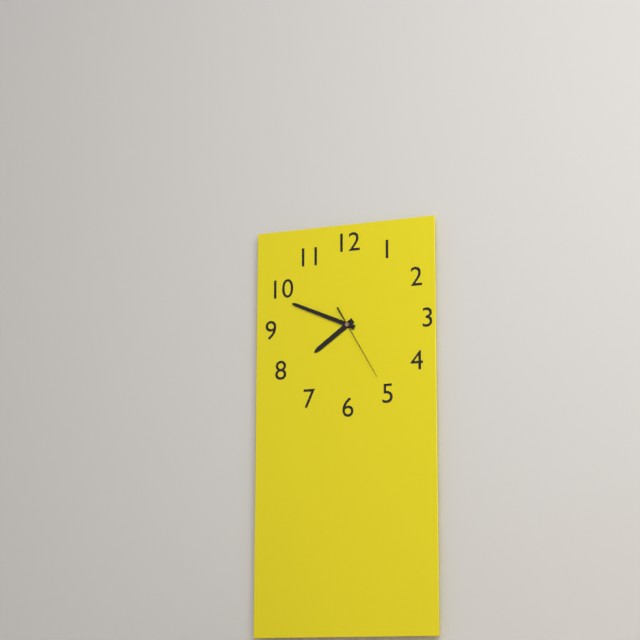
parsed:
7,49,25
